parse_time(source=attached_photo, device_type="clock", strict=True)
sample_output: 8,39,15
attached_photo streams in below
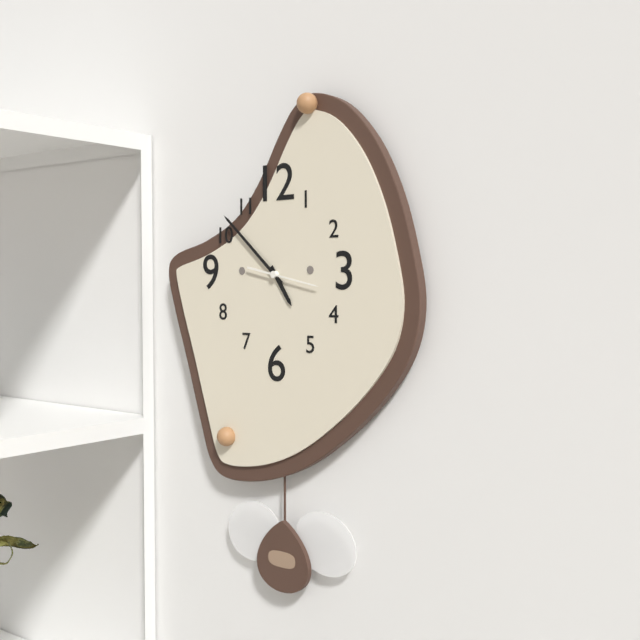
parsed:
4,52,17
